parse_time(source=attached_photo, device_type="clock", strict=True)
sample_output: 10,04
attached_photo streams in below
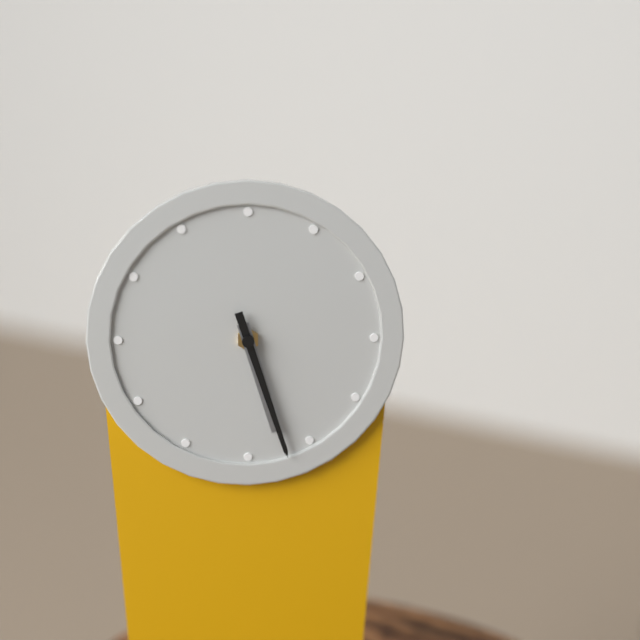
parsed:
5,27
